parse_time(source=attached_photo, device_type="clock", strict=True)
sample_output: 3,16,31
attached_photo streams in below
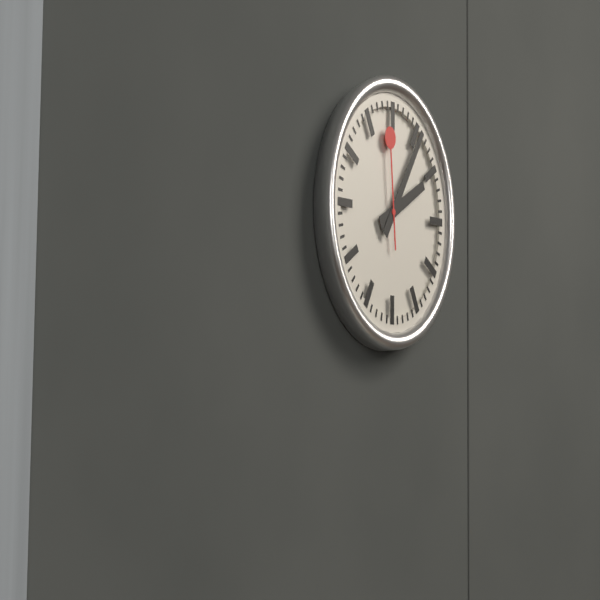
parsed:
2,06,59
